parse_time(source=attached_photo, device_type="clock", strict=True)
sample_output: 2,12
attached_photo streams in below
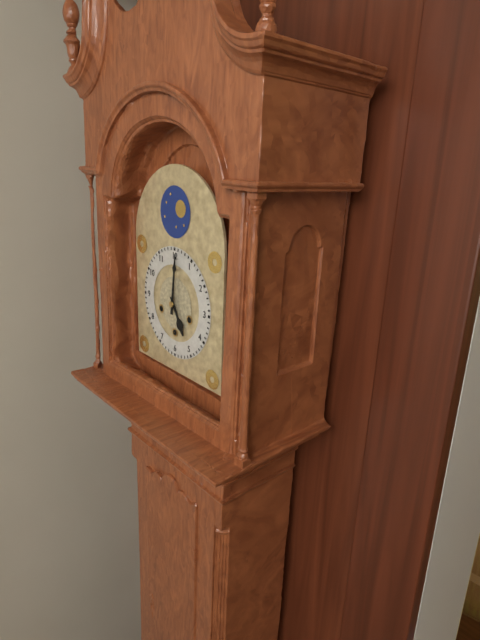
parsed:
5,01
